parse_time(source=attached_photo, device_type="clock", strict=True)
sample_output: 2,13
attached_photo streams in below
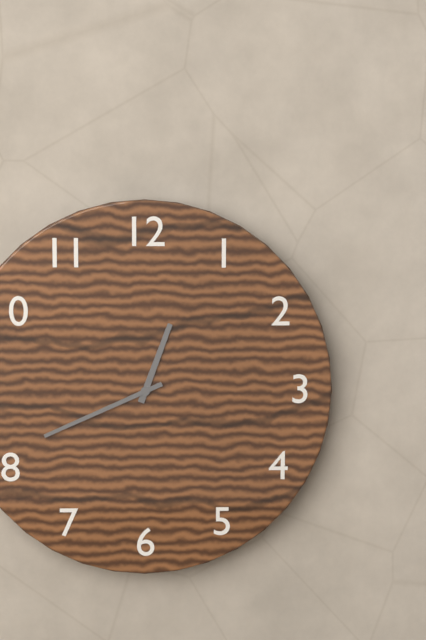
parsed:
12,41
